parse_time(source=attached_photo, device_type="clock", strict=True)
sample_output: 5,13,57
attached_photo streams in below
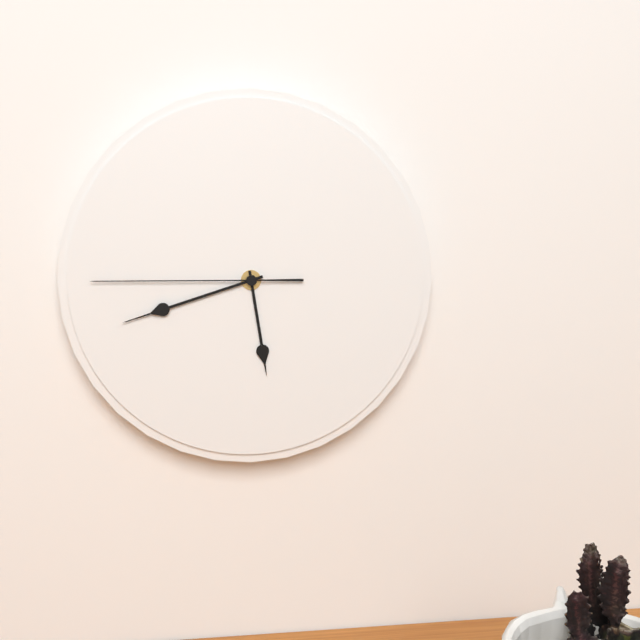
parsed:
5,42,45
